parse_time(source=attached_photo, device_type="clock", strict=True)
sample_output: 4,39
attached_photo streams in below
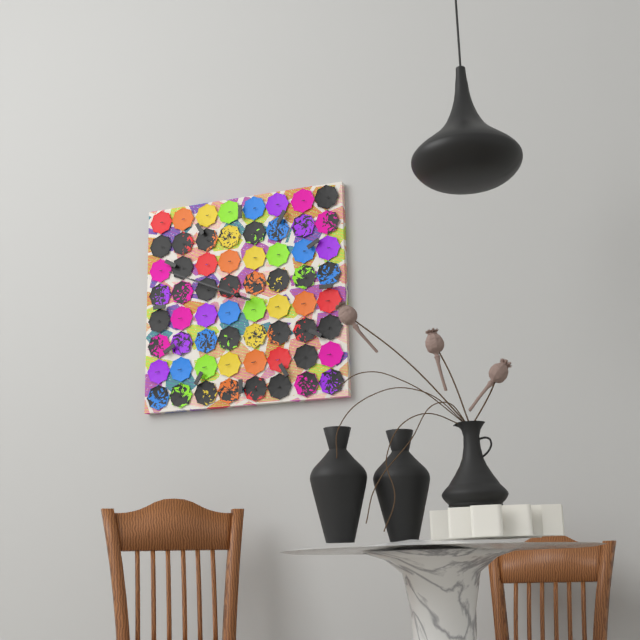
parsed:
9,49
